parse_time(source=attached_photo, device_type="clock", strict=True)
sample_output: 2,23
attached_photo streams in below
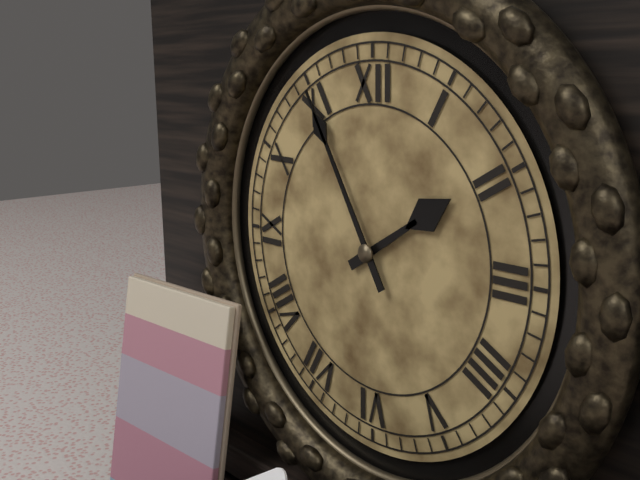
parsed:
1,55
